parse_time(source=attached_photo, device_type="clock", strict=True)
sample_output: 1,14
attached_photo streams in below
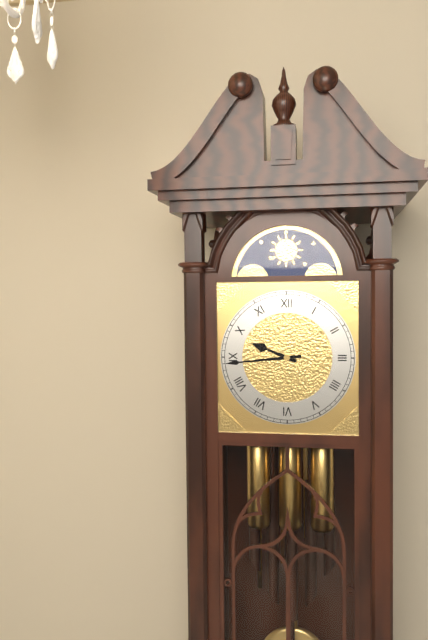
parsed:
9,44
